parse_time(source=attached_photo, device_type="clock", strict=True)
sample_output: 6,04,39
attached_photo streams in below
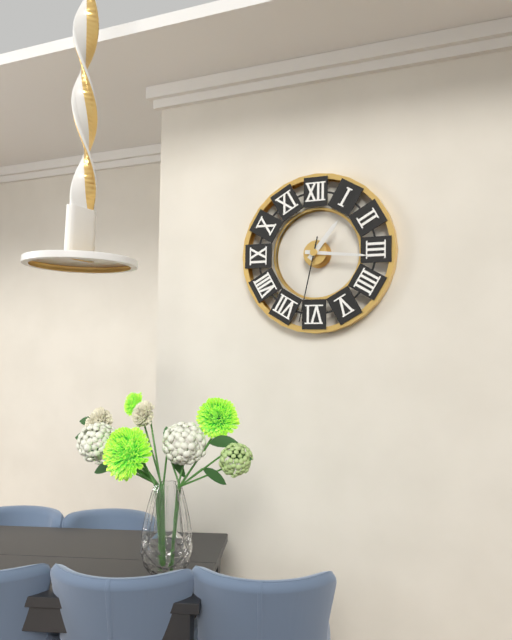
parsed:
1,16,32
